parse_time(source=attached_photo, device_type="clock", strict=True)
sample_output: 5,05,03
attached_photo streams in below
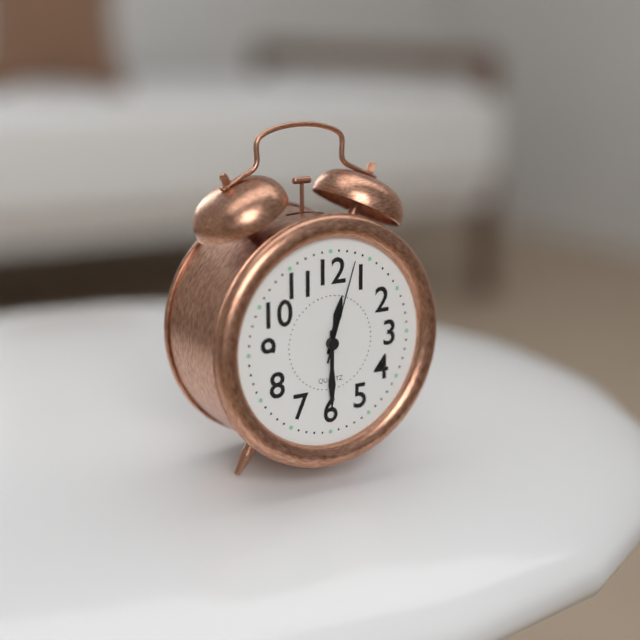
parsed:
12,30,03
